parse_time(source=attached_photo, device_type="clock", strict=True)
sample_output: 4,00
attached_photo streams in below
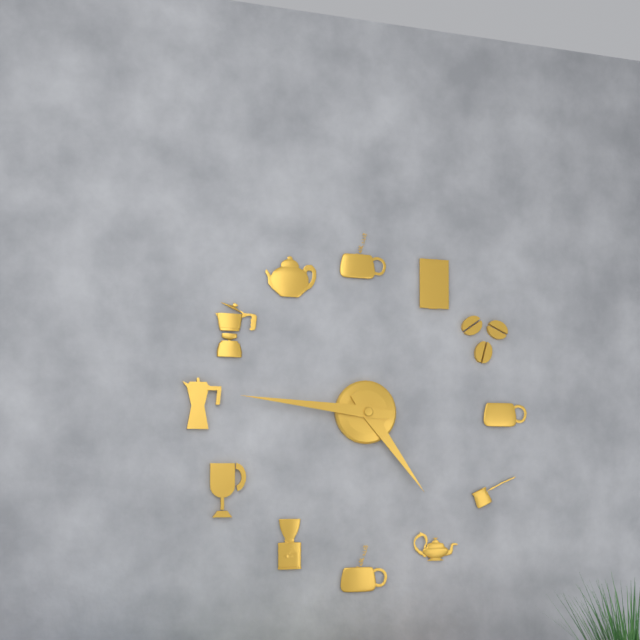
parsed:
4,46
